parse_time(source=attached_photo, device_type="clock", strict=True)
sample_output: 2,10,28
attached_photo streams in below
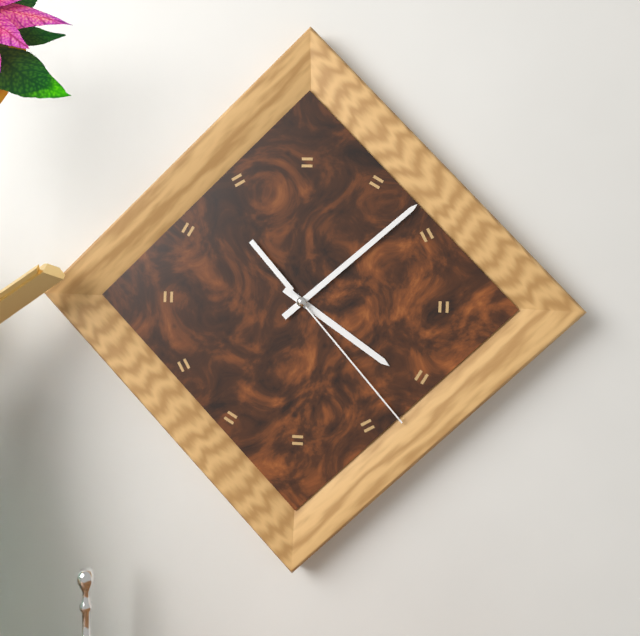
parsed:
4,08,23
